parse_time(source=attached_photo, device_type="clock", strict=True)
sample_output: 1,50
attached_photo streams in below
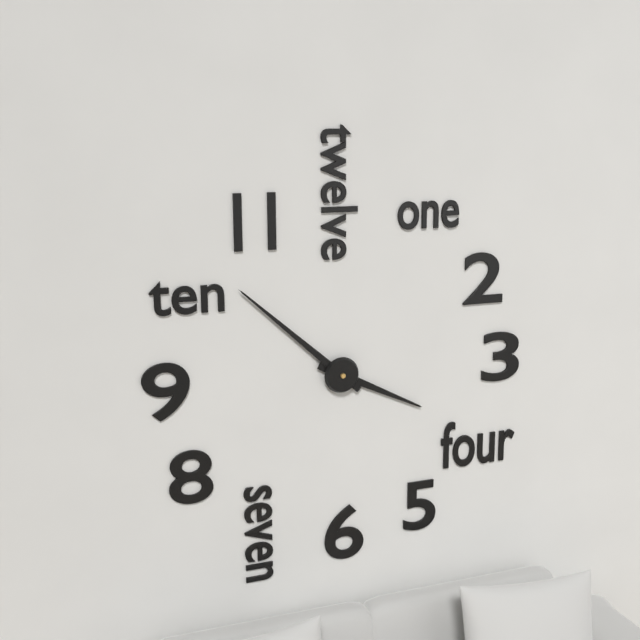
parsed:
3,52
